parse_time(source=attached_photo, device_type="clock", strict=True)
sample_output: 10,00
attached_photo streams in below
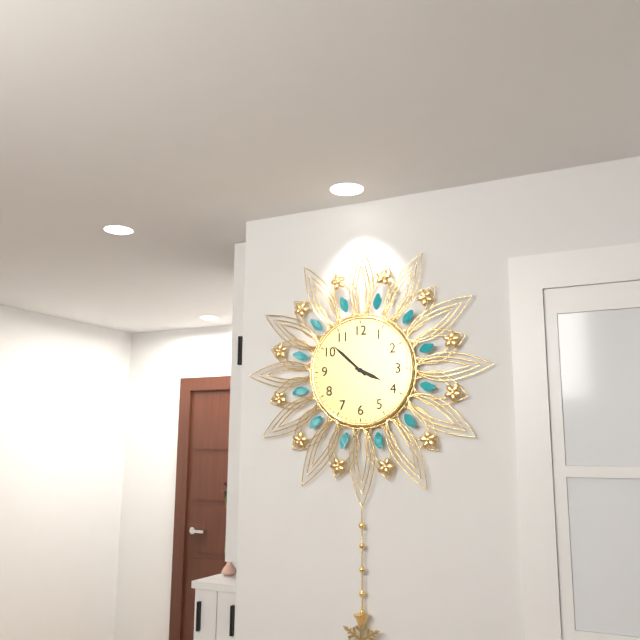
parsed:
3,52
